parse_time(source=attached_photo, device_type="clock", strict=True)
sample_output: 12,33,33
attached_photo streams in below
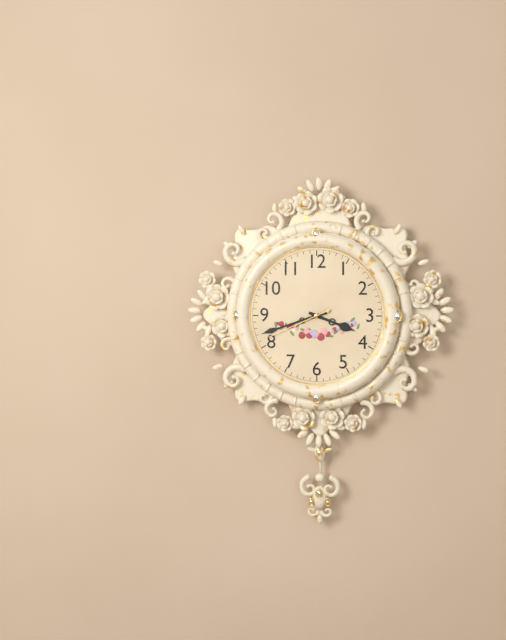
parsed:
3,42,41
